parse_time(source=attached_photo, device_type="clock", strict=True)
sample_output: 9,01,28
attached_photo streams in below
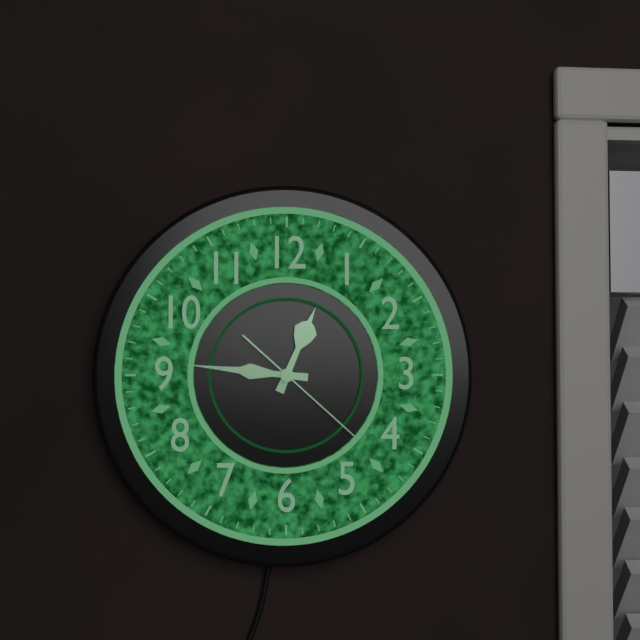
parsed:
12,46,22
